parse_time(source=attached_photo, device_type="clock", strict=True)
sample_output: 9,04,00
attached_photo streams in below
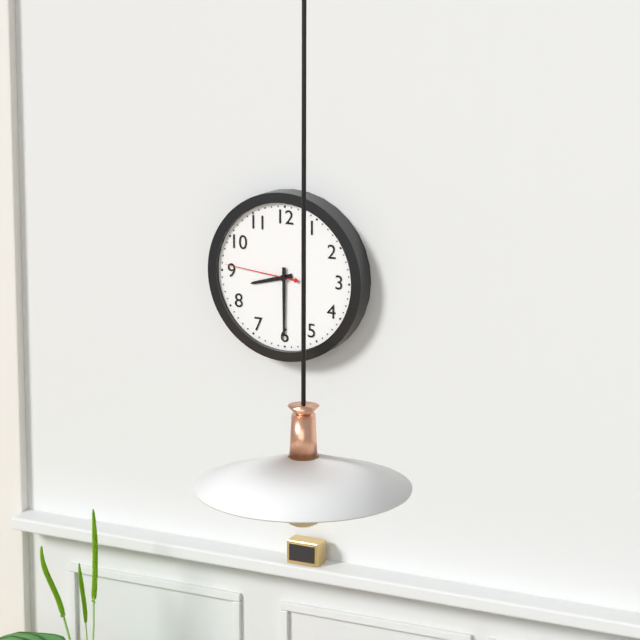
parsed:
8,30,46
